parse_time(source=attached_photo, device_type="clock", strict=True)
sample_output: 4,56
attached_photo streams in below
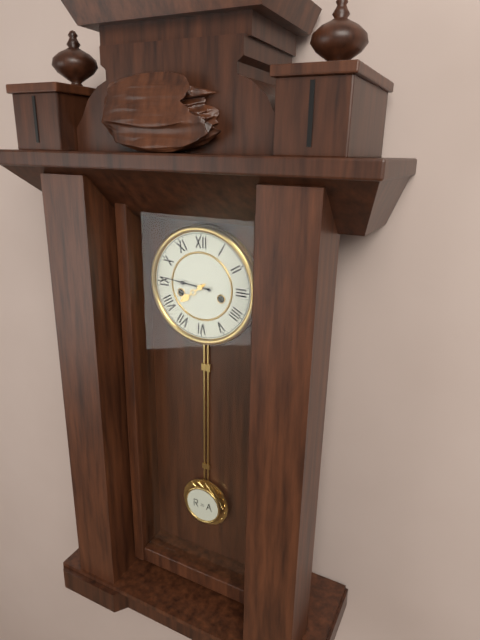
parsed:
7,46
